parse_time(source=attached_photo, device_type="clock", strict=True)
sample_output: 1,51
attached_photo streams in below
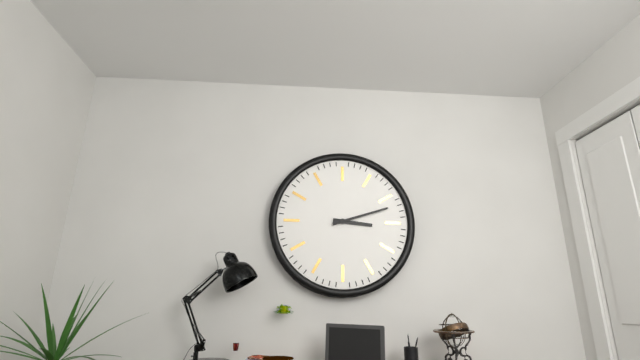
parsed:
3,12
